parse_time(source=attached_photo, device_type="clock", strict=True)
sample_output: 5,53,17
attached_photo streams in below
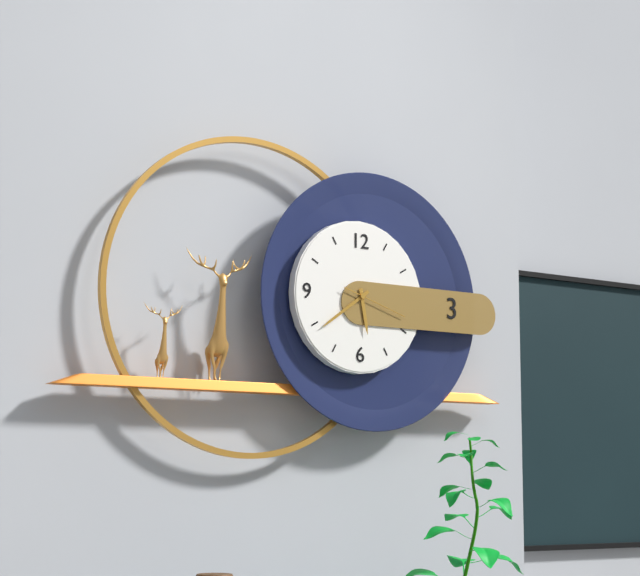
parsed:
5,39,18
